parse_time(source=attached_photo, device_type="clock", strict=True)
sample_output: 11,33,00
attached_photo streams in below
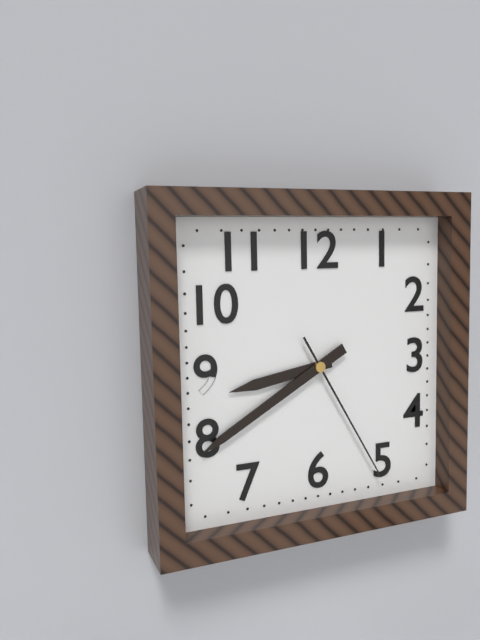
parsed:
8,40,25
